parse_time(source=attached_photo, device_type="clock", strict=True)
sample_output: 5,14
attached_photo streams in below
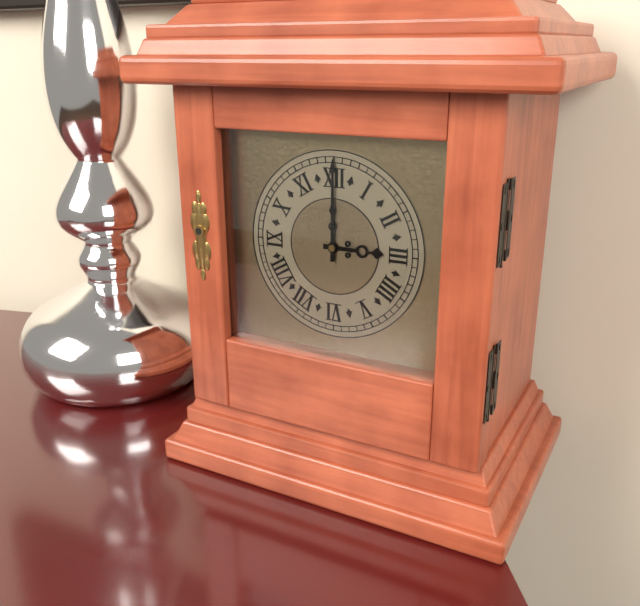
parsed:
3,00
